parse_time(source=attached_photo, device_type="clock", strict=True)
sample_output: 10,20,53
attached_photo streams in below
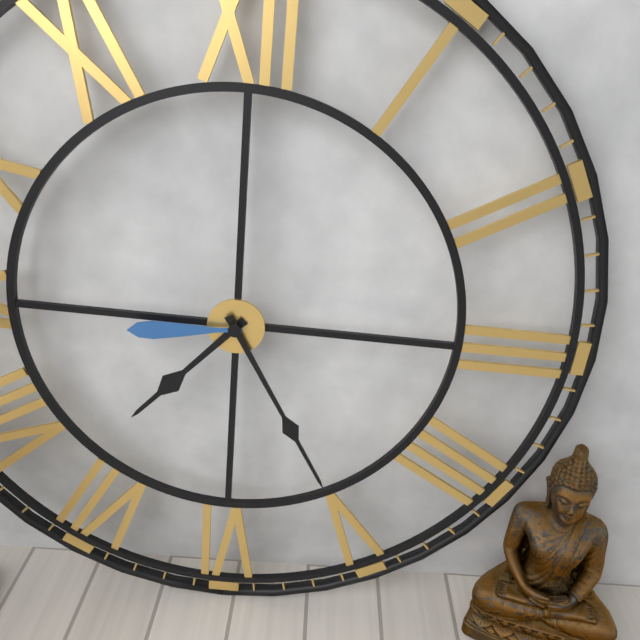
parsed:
7,25,44
